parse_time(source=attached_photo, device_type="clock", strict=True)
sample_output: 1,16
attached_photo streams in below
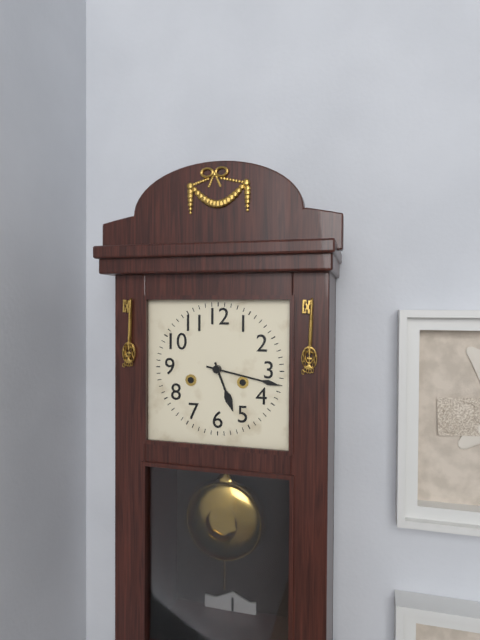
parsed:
5,17
